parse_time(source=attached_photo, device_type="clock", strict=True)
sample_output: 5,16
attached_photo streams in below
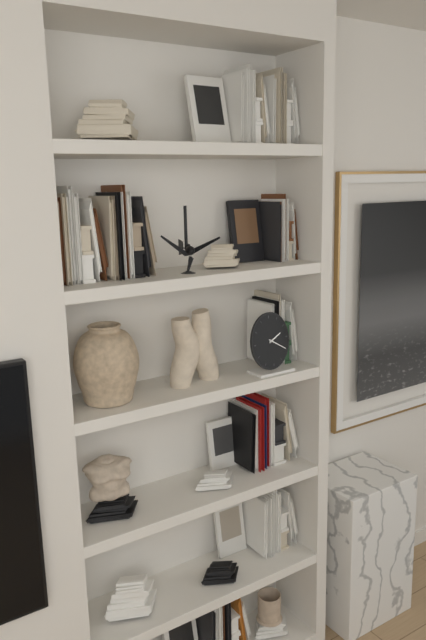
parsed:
2,20
